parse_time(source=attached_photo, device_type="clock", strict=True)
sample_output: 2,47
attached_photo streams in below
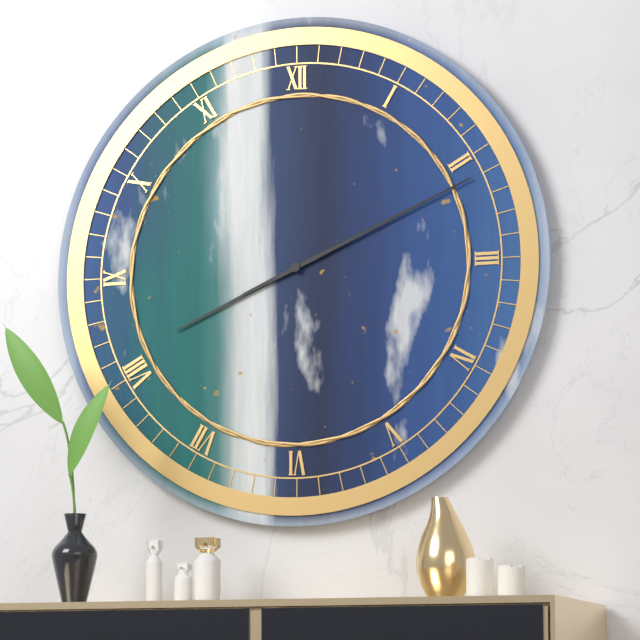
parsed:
8,11
